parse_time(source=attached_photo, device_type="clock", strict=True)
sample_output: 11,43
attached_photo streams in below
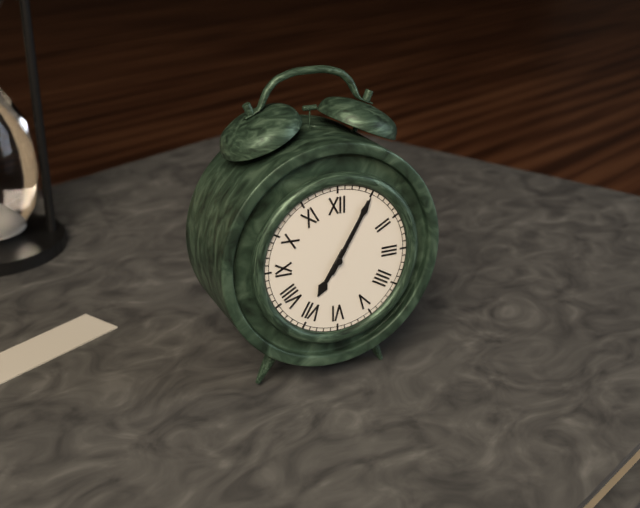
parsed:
7,05
